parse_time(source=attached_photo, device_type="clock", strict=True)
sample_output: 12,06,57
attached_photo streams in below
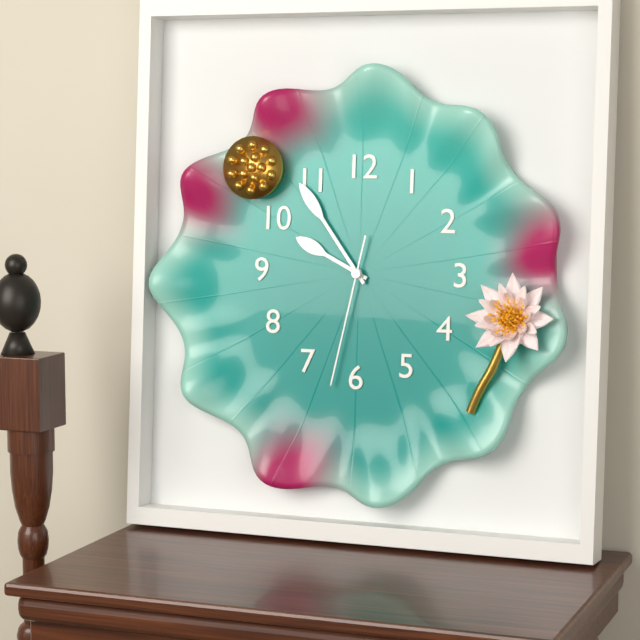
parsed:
9,54,32
